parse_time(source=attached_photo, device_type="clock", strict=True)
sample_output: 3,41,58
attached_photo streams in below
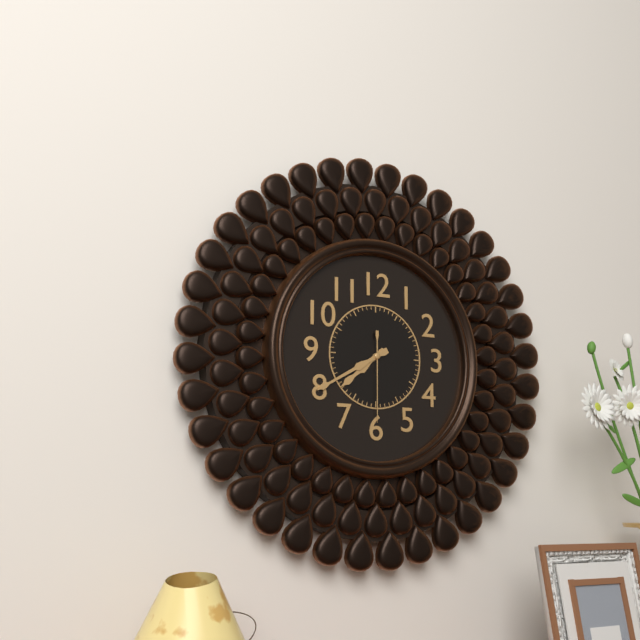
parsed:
7,40,30
